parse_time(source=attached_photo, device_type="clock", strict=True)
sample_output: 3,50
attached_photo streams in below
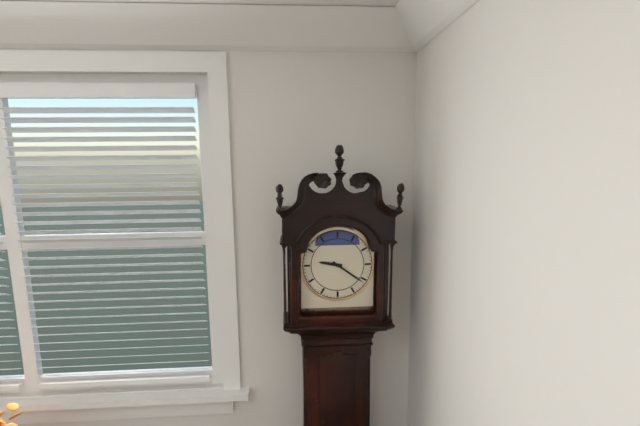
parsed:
9,21
